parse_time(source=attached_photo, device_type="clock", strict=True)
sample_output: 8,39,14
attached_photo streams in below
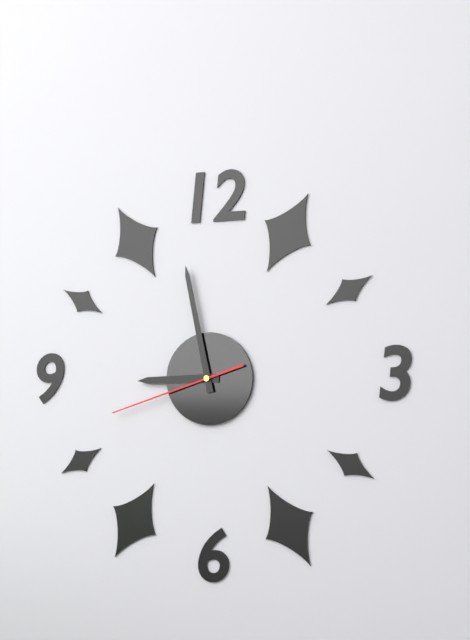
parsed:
8,58,42
